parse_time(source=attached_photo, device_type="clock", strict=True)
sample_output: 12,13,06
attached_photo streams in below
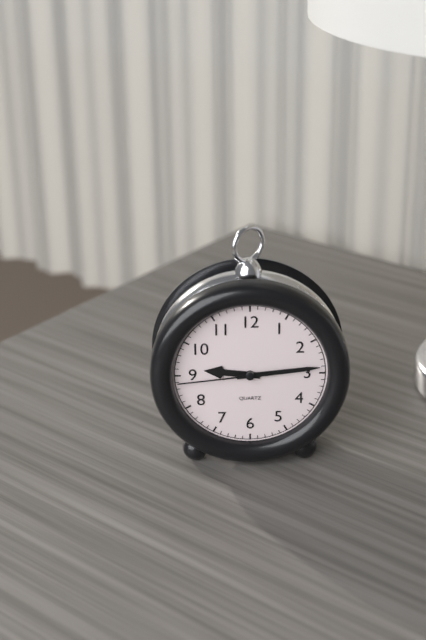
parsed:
9,14,44
